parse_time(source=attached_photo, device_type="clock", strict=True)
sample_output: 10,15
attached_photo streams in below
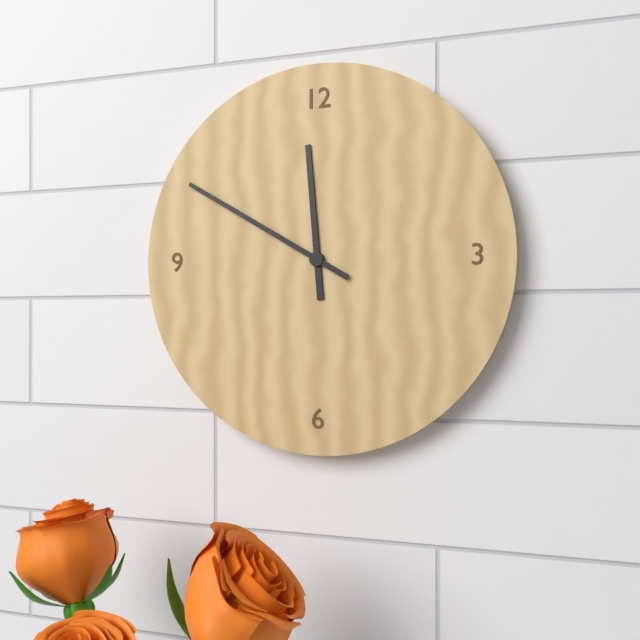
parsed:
11,50
